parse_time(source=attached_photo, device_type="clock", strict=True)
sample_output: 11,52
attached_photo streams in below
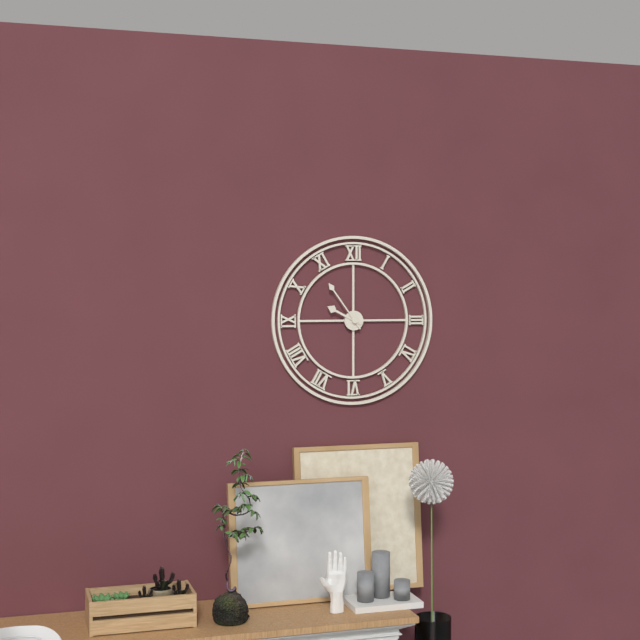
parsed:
9,54
